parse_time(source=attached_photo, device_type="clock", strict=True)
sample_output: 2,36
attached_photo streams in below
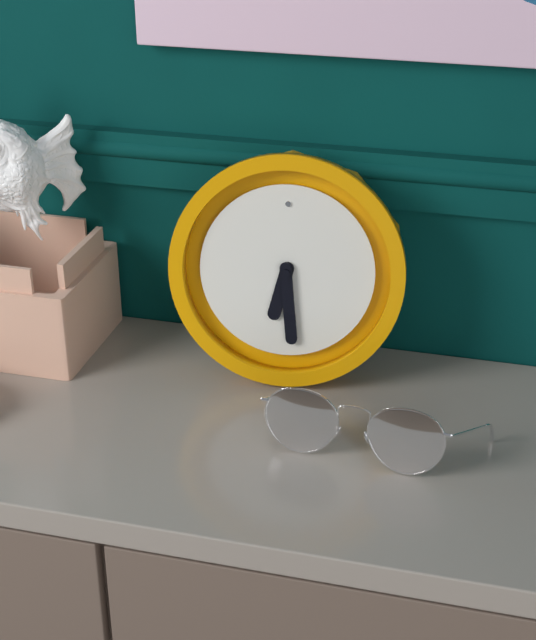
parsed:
6,29
